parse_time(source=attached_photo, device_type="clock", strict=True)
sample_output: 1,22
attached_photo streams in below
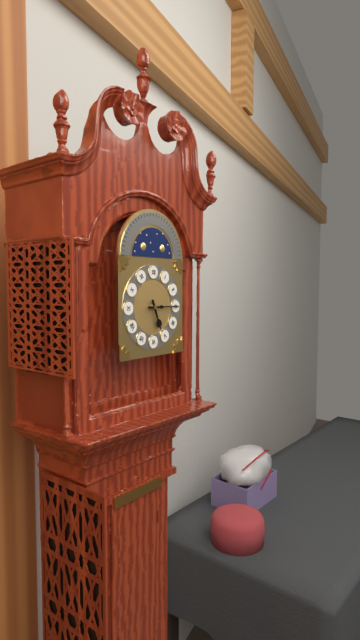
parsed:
5,15
